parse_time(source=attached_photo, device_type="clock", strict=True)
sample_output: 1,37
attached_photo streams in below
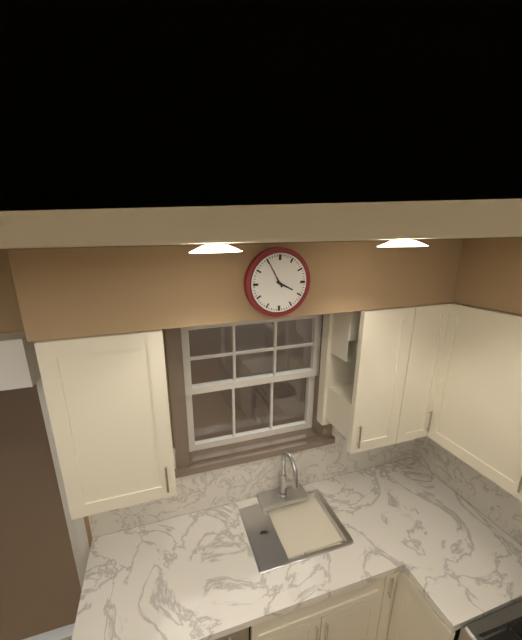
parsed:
3,55
